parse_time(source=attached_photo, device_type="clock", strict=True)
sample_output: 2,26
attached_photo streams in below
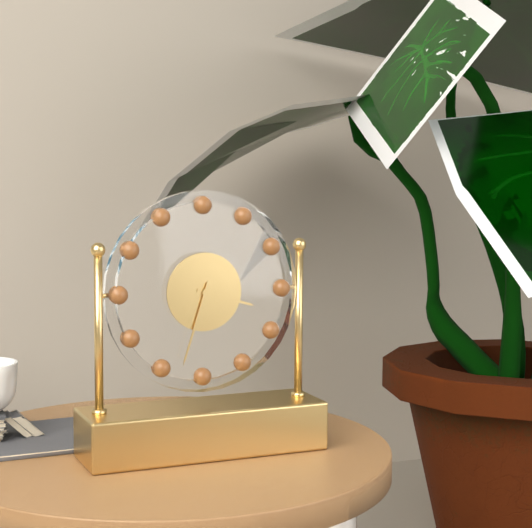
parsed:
3,33
